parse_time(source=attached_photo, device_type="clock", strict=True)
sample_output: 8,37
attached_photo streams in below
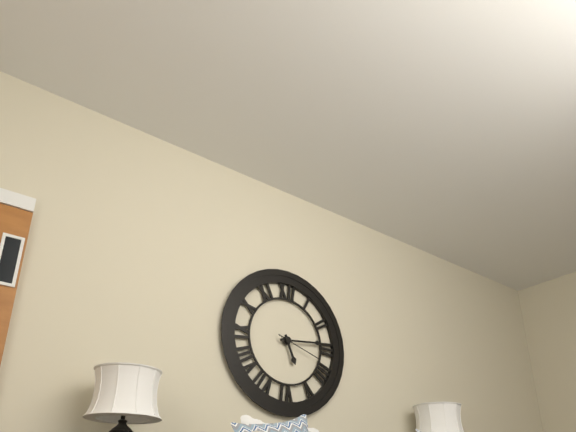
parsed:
5,14
